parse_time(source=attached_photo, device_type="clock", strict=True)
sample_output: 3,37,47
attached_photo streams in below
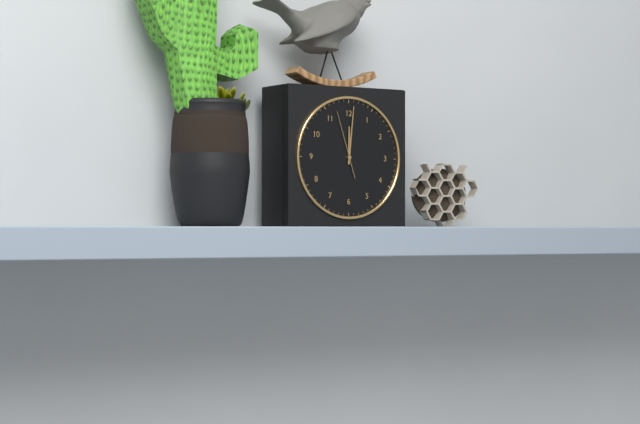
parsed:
12,01,57
